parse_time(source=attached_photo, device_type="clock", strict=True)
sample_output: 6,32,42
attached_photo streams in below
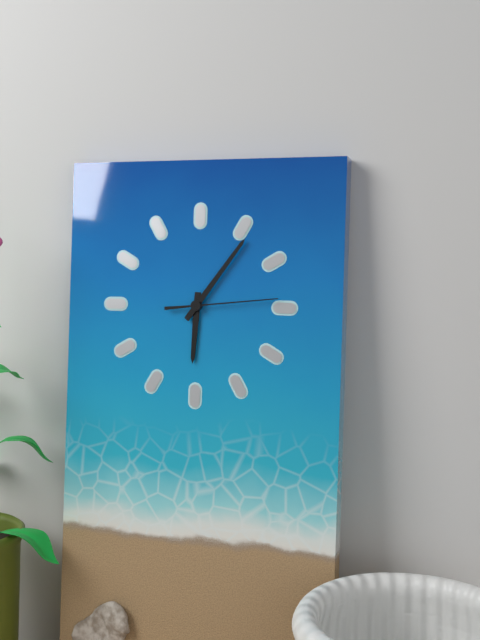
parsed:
6,06,14
